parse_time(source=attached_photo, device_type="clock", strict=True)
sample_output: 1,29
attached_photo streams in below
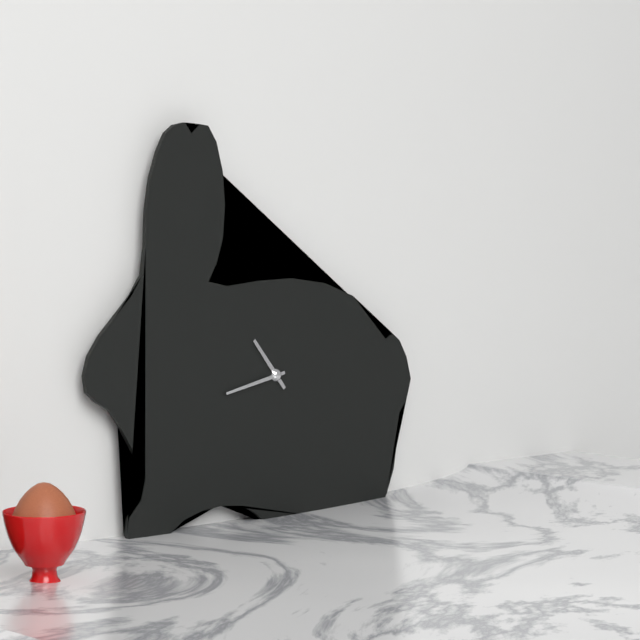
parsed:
10,43
